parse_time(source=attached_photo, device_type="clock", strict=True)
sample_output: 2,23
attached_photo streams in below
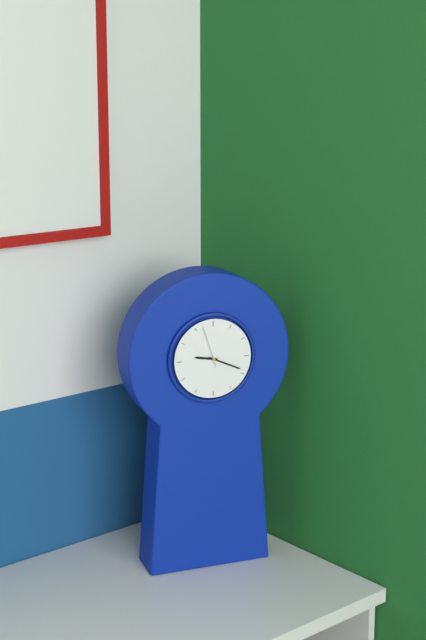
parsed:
9,19
